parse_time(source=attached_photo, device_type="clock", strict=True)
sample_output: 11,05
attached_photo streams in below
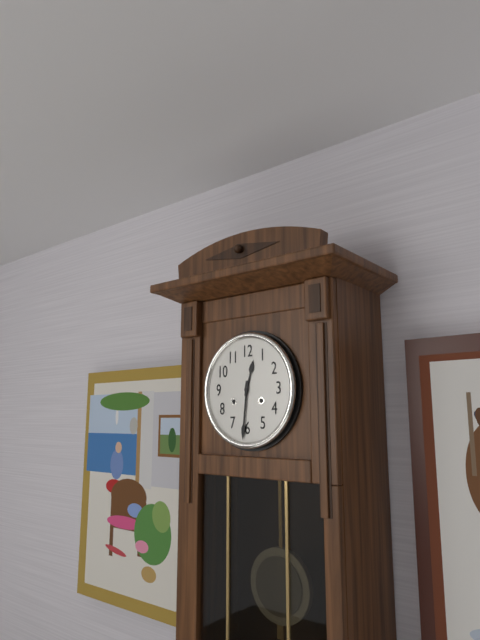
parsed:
12,31
